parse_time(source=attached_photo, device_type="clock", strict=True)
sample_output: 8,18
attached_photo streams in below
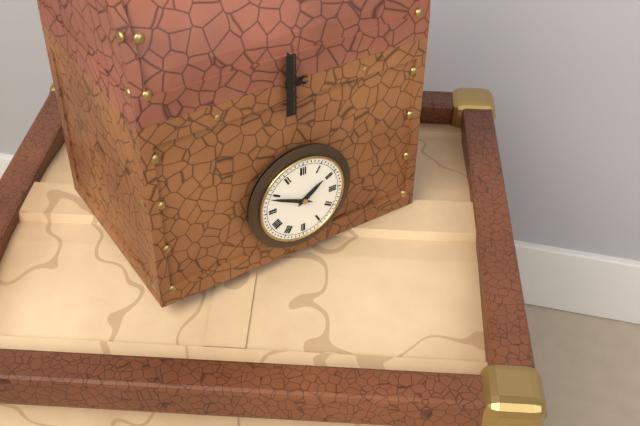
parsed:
1,49
